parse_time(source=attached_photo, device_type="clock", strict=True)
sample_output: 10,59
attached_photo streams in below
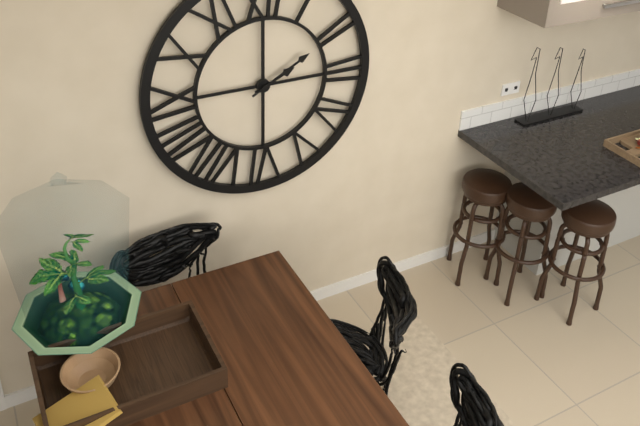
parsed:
2,10
